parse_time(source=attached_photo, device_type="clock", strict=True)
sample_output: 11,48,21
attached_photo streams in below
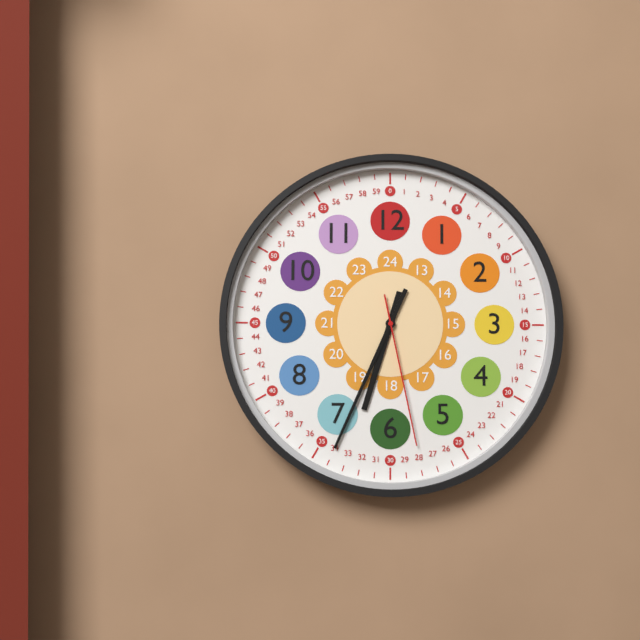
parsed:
6,34,28
